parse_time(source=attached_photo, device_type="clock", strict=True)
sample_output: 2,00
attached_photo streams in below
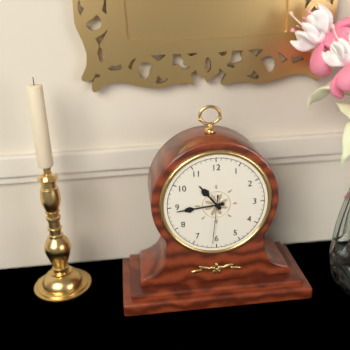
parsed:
10,44
